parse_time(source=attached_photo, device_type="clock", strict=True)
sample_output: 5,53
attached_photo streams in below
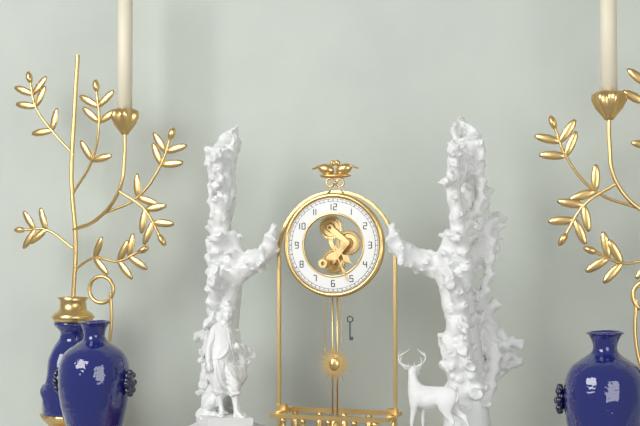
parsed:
4,26
